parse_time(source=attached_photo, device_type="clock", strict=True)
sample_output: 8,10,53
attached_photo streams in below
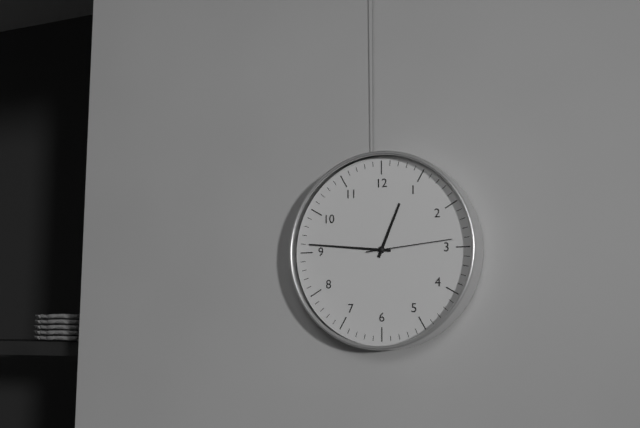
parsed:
12,46,14
